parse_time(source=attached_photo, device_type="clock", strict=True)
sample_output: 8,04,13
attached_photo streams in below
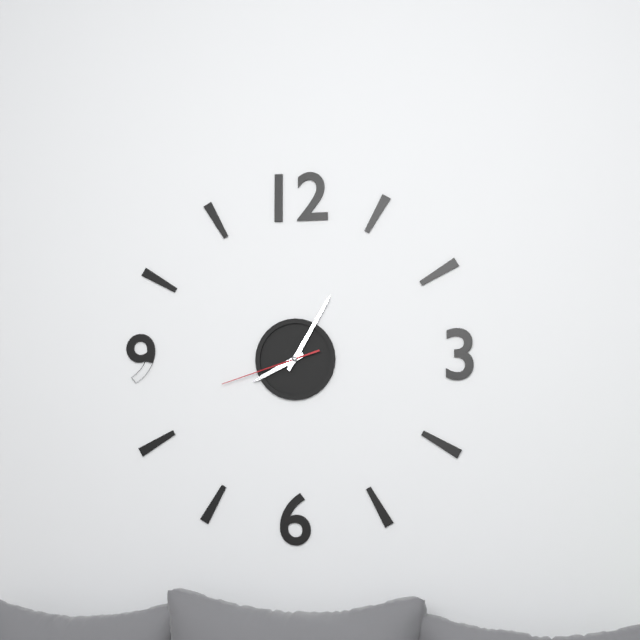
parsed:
8,05,42
